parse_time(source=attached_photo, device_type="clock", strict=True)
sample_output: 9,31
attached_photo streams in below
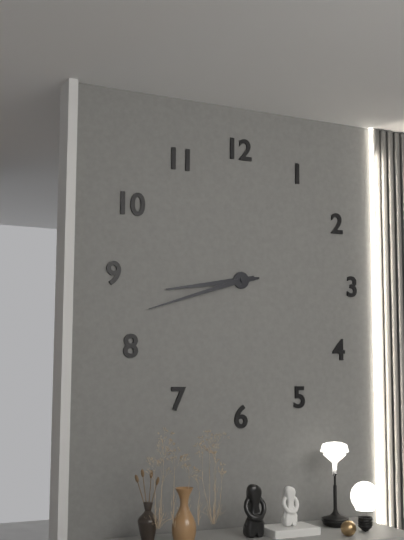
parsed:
8,42
